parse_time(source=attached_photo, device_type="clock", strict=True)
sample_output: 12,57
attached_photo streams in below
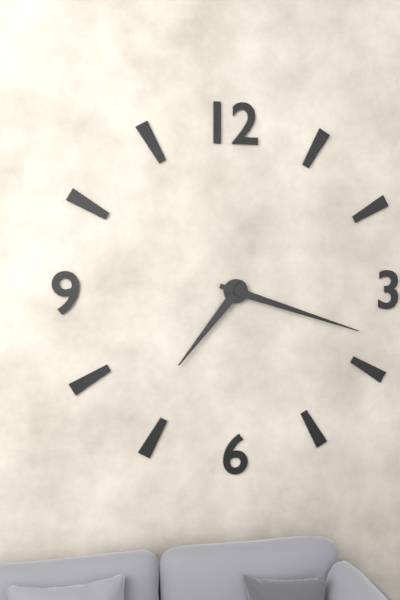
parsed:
7,18
